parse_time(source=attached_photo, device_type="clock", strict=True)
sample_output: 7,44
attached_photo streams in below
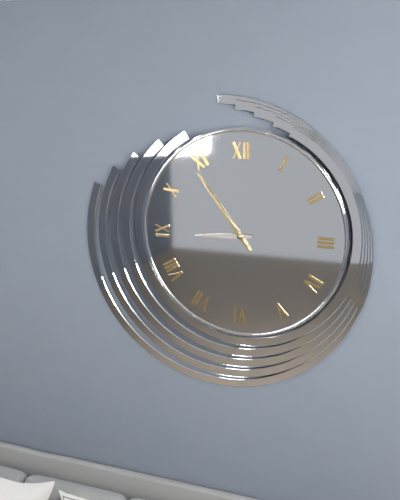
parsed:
8,54
